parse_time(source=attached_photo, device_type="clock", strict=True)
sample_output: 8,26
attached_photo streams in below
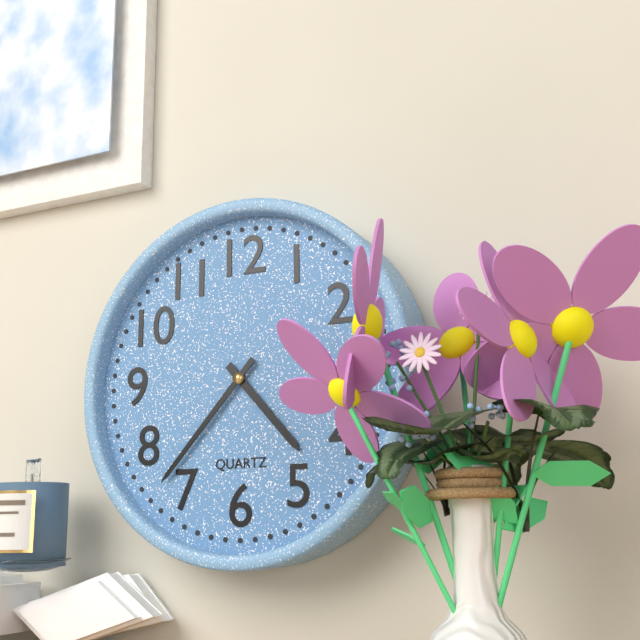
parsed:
4,37
